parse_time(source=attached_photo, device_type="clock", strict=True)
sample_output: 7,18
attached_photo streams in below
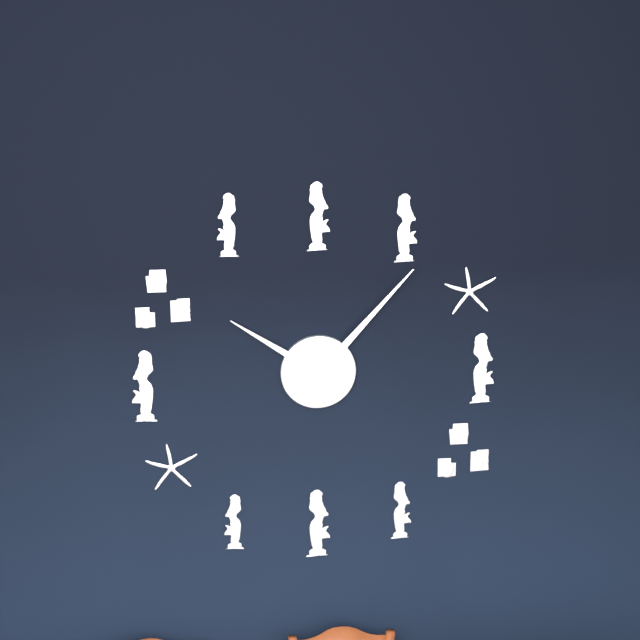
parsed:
10,07
